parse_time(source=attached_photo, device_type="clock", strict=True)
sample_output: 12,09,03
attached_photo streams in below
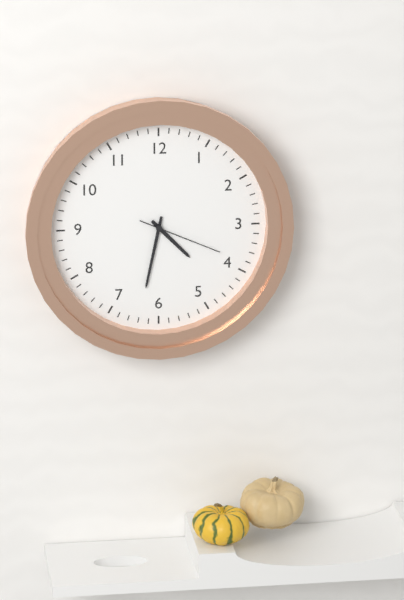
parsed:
4,32,19
